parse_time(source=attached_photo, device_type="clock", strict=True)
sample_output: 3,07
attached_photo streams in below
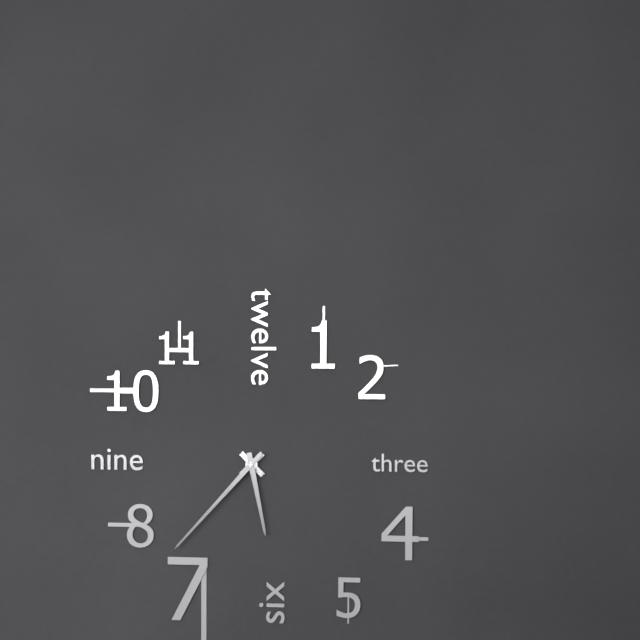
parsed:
5,37
